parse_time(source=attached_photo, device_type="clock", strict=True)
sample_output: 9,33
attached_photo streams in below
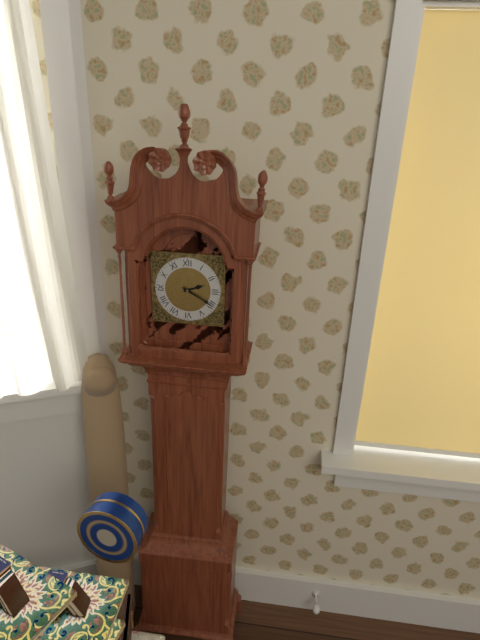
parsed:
2,20
